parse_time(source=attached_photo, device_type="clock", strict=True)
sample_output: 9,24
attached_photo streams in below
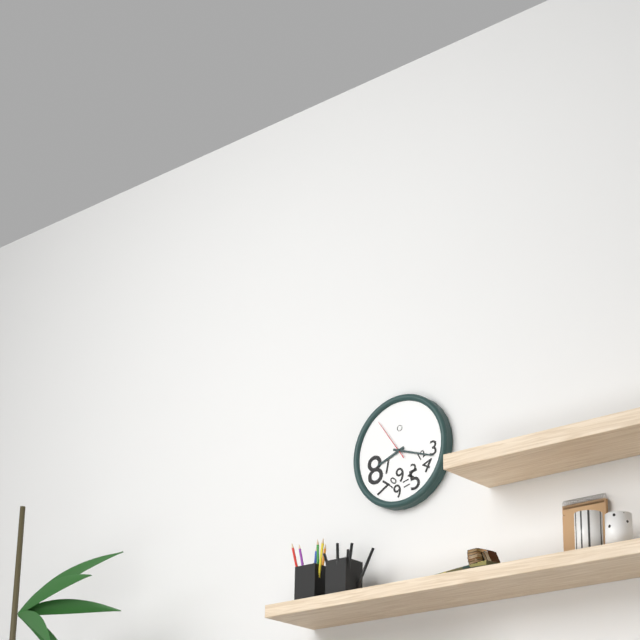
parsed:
8,18
